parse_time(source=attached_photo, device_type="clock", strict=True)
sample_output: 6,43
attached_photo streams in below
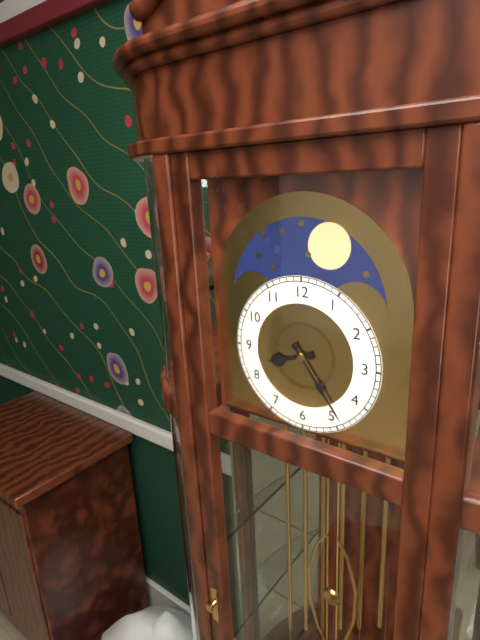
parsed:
8,24
